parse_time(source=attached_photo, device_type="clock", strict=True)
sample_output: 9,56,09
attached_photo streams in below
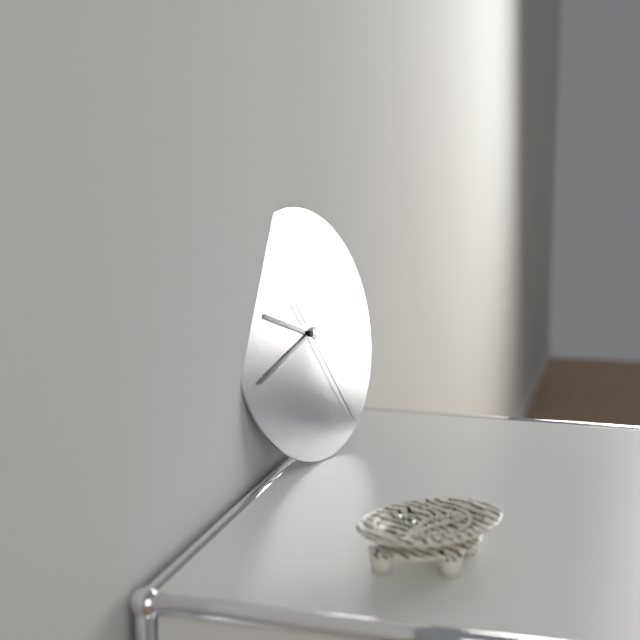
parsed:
9,42,25
